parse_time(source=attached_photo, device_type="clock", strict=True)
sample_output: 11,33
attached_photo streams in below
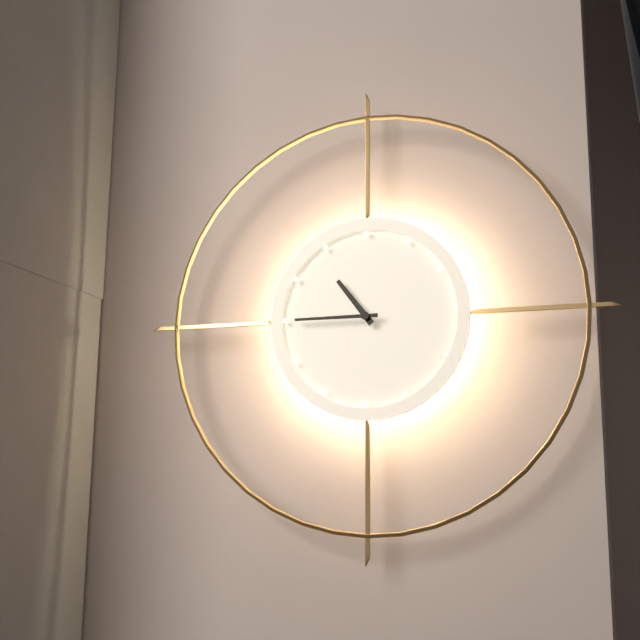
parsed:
10,45
